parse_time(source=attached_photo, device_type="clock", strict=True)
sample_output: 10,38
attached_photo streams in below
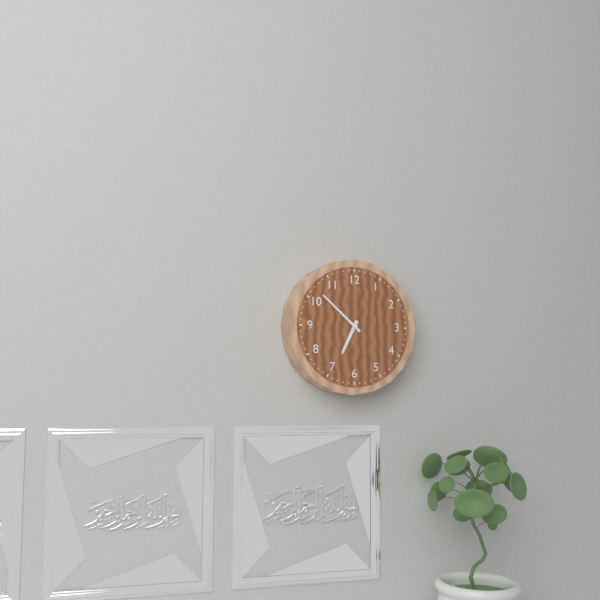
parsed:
6,52
